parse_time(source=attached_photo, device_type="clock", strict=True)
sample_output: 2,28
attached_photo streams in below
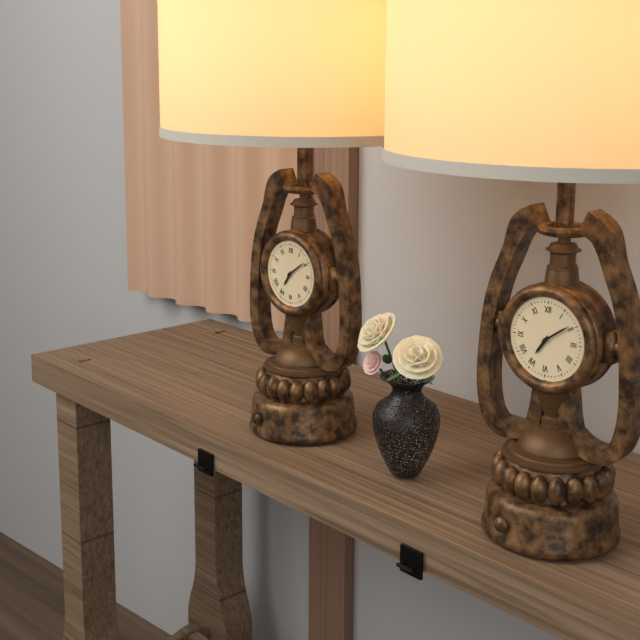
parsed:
7,09
